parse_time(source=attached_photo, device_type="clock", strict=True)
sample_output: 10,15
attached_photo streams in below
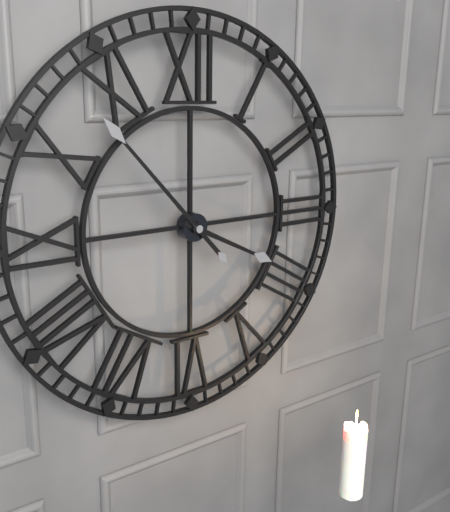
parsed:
3,53
